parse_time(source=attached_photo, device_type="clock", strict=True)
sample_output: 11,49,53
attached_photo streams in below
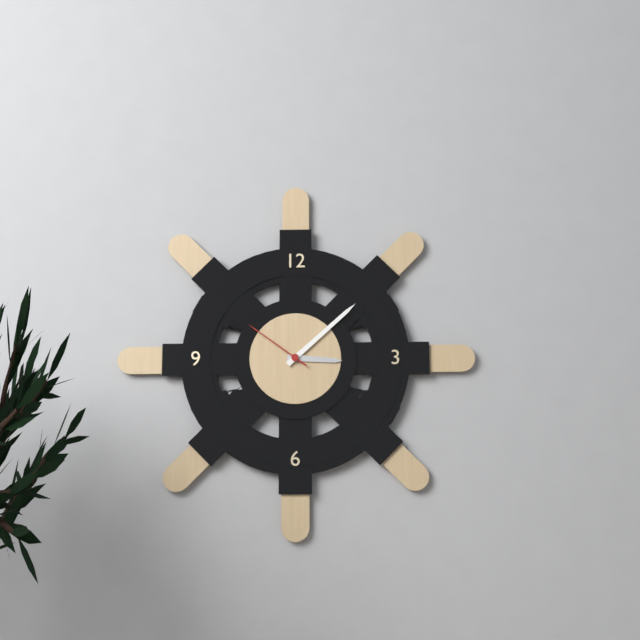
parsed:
3,08,51
